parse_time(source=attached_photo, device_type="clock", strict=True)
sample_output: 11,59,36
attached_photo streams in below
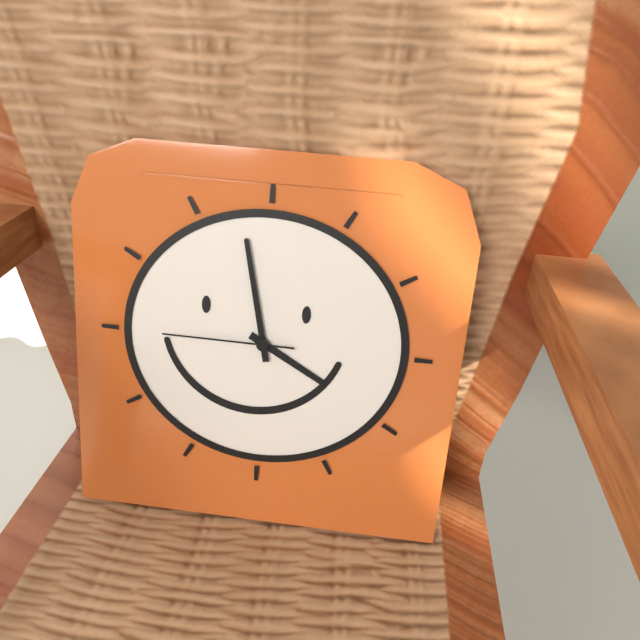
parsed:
3,58,45
